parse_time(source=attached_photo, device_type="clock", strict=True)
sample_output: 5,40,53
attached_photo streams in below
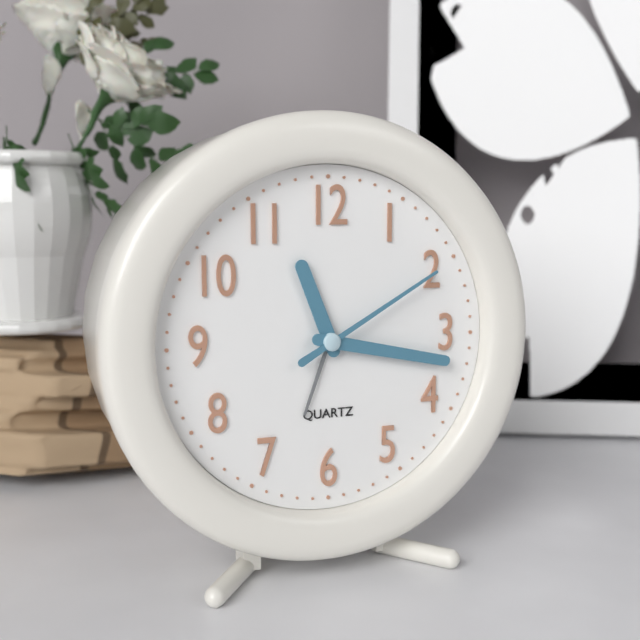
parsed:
11,17,10
